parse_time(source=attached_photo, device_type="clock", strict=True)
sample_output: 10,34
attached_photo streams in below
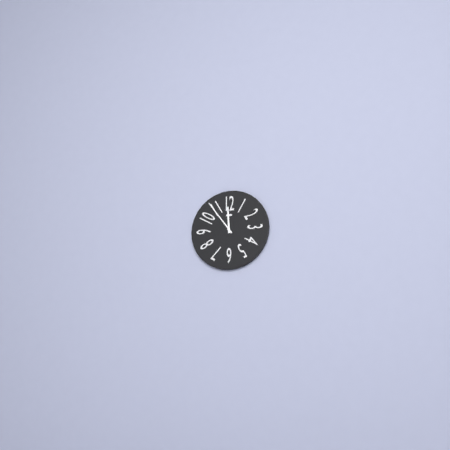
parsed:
11,54
